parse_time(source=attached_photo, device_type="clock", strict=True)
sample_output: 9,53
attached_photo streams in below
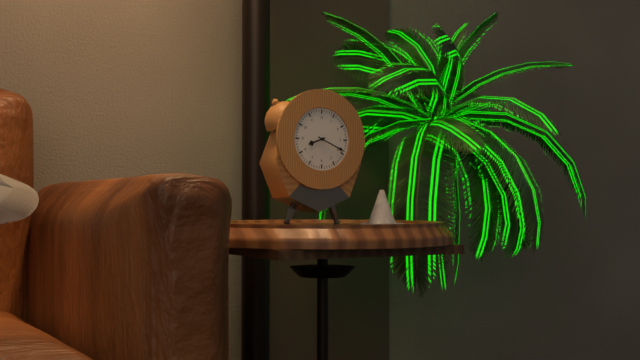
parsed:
8,19
